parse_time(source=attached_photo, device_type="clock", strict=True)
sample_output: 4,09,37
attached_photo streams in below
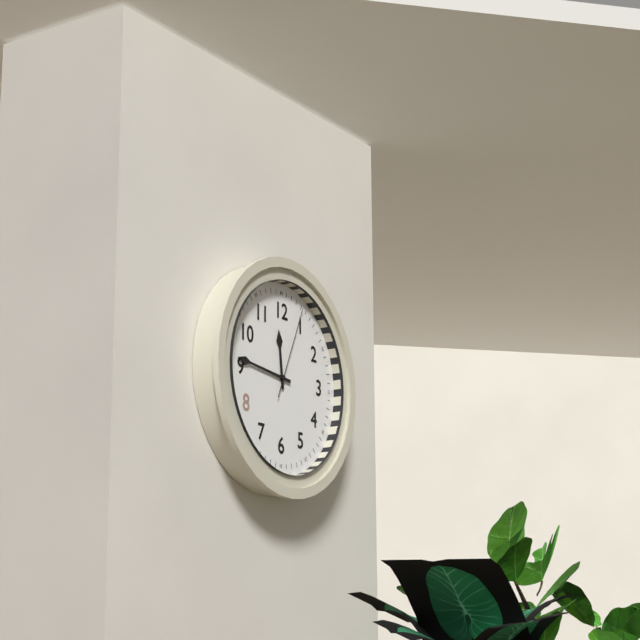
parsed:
11,46,04
